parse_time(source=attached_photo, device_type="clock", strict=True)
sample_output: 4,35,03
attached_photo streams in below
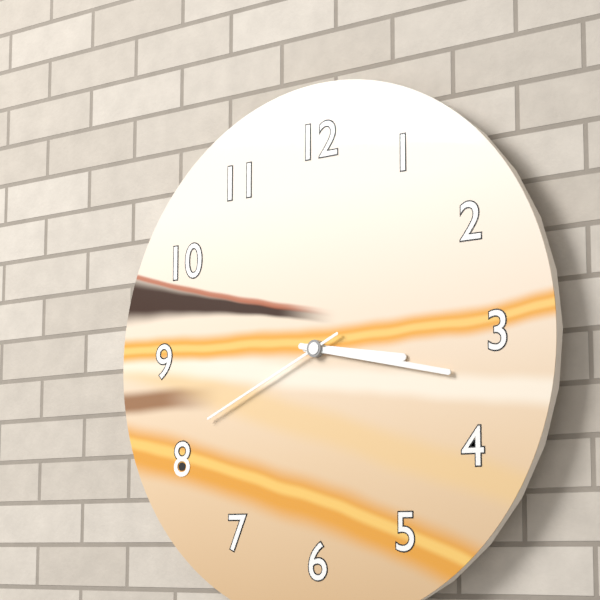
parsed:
3,17,41
